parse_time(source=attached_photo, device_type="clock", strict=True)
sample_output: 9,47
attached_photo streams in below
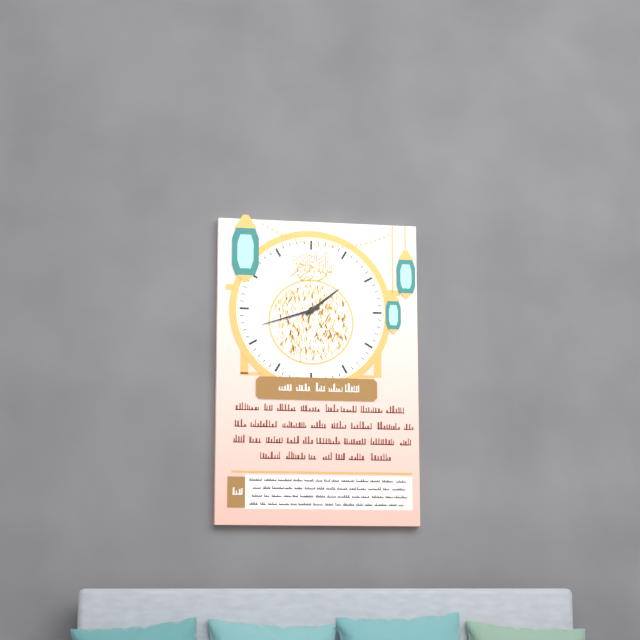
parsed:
1,42
